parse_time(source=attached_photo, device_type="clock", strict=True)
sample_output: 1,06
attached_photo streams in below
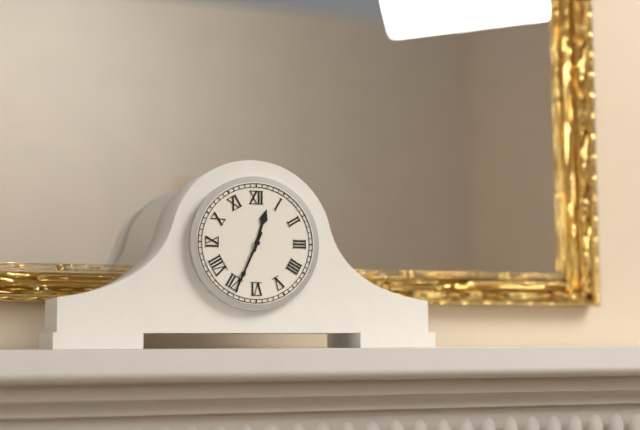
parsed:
12,34
